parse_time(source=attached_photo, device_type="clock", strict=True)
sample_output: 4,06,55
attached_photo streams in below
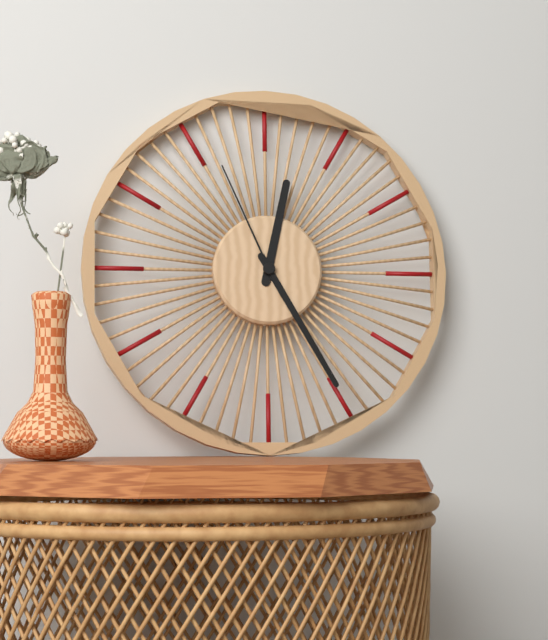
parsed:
12,25,56
